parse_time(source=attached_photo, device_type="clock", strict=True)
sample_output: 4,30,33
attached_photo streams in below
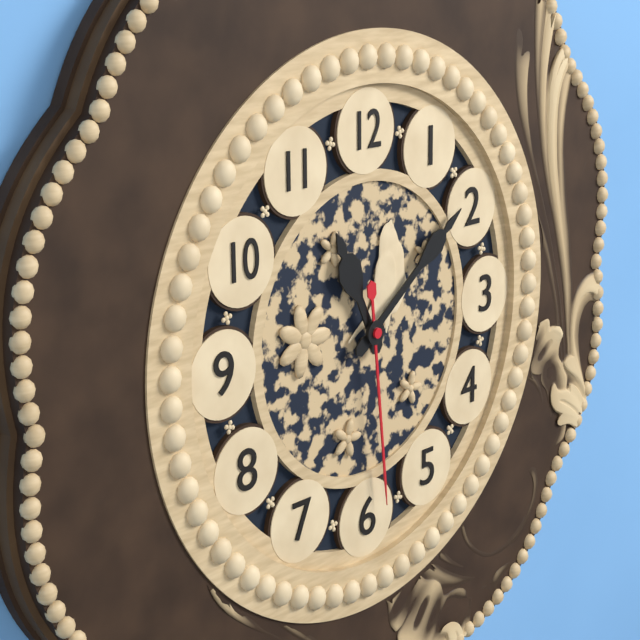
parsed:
11,09,29
